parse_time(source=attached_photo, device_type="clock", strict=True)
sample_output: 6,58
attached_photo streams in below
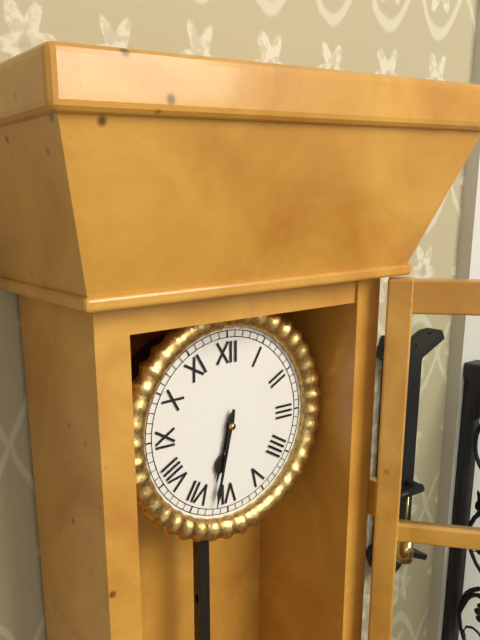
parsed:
6,32
